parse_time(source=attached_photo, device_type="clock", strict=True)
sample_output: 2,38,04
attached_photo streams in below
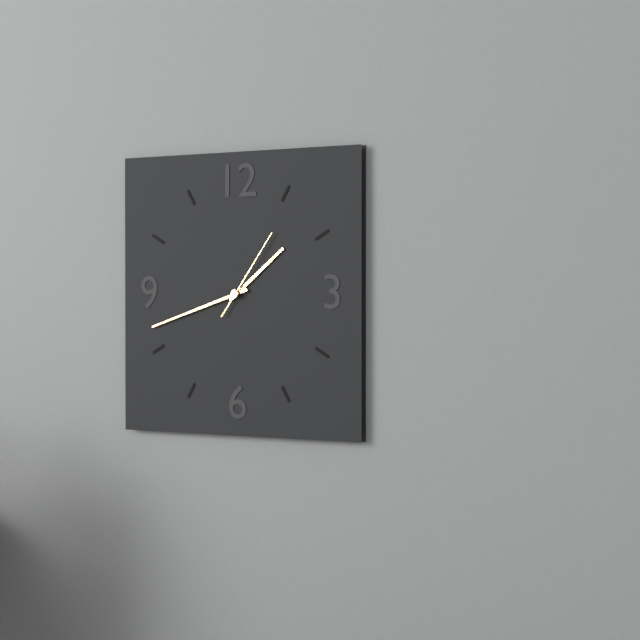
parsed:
1,42,06
